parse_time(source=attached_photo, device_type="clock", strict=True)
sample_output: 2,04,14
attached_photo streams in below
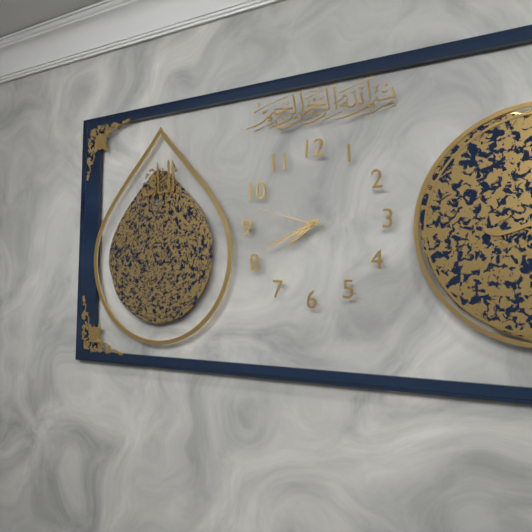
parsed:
7,41,48
